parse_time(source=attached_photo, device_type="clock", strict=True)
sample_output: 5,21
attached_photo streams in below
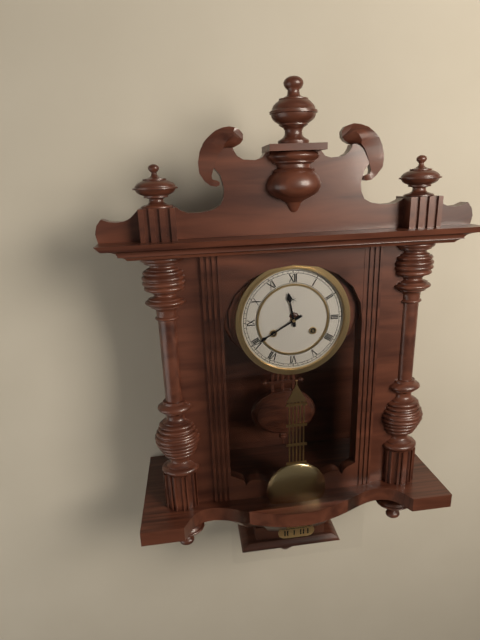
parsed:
11,40
